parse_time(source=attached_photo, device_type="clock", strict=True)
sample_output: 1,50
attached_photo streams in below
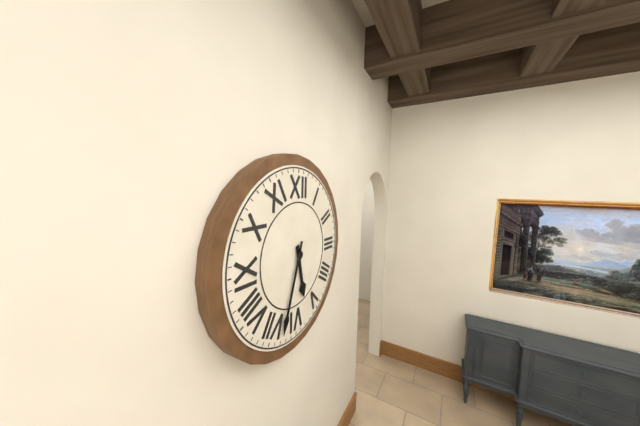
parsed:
5,33
